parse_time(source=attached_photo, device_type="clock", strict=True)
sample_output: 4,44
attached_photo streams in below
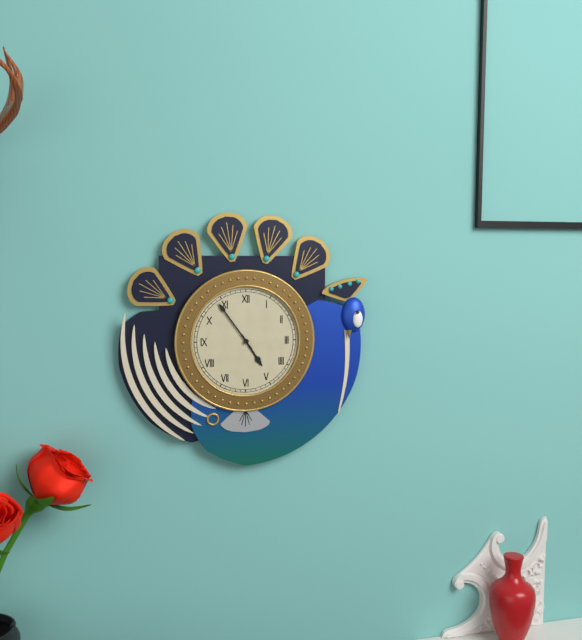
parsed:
4,54
